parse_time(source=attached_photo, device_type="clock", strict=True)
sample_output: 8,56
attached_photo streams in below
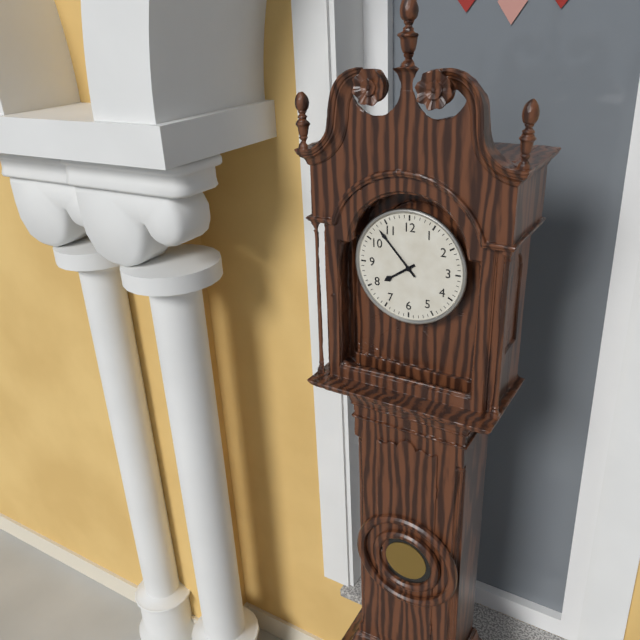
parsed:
7,53
